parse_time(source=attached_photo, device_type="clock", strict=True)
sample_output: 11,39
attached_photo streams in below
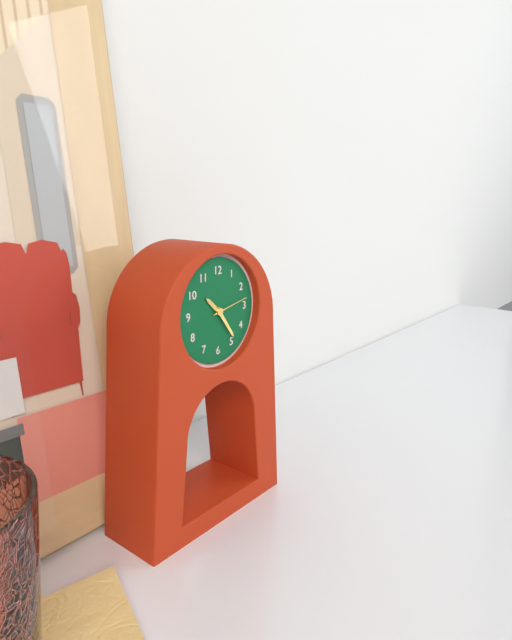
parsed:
10,24
